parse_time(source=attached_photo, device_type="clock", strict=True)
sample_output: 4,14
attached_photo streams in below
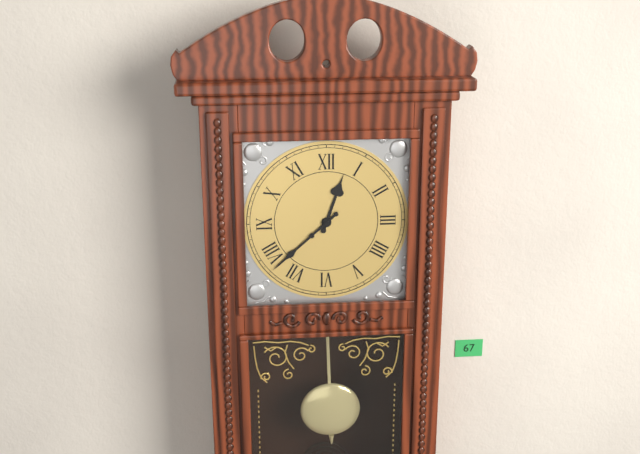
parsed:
12,38
